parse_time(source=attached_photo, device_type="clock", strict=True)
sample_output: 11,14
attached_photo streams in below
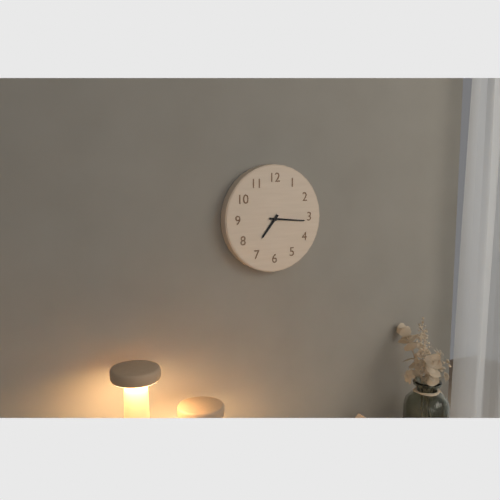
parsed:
7,16
